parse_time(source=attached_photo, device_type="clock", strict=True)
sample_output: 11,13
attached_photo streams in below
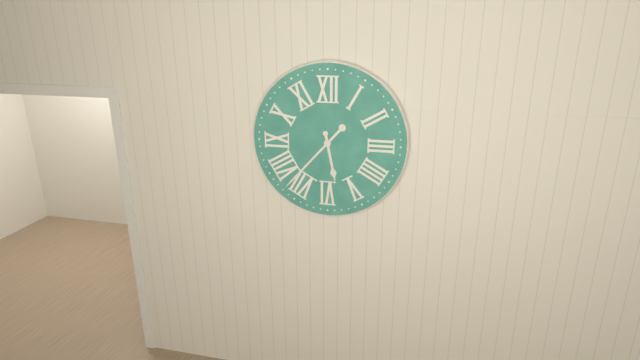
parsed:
5,37
